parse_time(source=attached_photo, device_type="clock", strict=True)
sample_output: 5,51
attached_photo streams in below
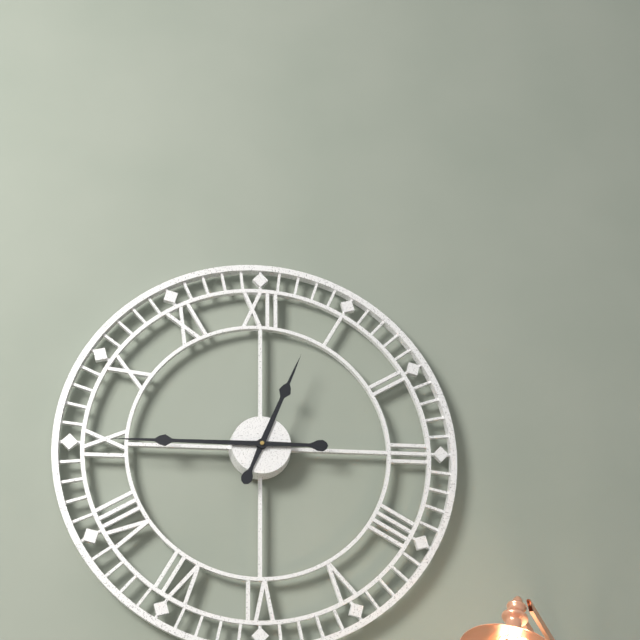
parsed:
12,45
